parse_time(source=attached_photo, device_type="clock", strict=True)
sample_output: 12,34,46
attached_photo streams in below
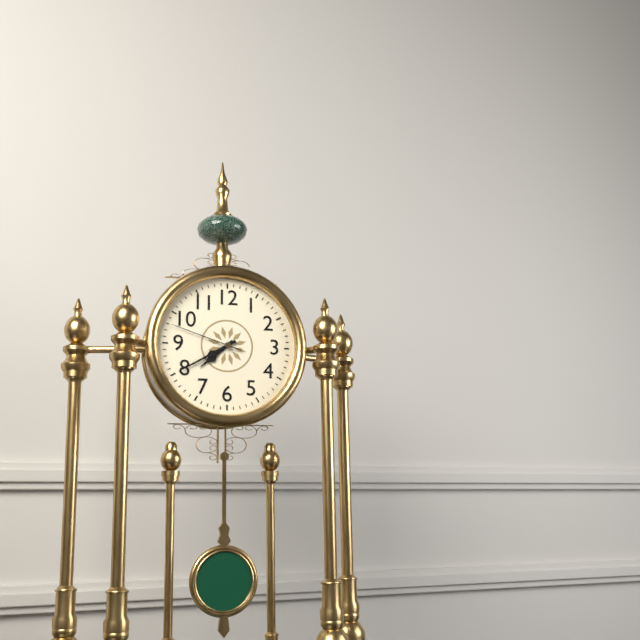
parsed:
7,40,48
